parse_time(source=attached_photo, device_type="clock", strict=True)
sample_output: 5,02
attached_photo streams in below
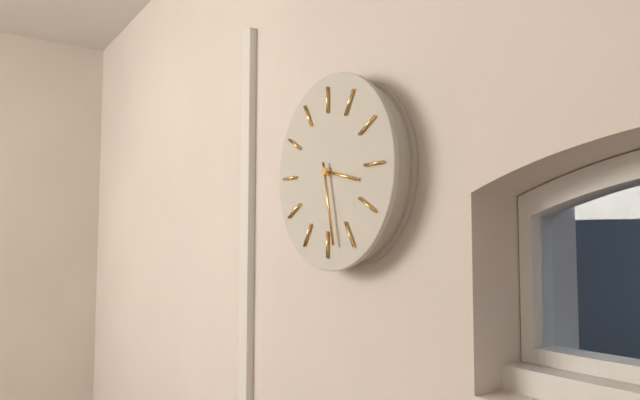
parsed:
3,28
